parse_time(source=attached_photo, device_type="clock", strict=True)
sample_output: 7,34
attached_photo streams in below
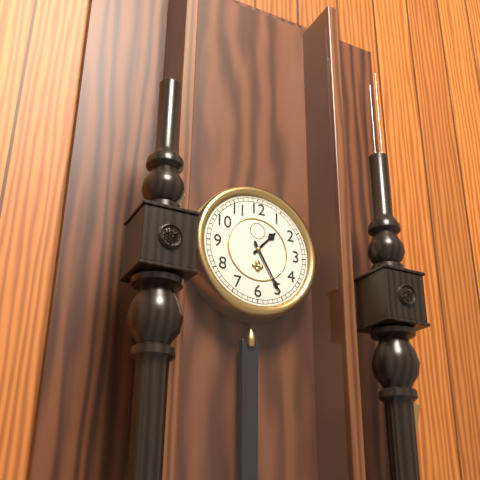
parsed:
1,25
